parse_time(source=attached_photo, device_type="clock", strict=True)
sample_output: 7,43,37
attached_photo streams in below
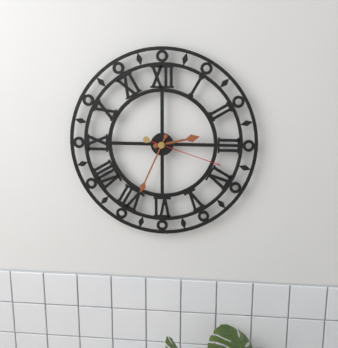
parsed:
2,34,18
